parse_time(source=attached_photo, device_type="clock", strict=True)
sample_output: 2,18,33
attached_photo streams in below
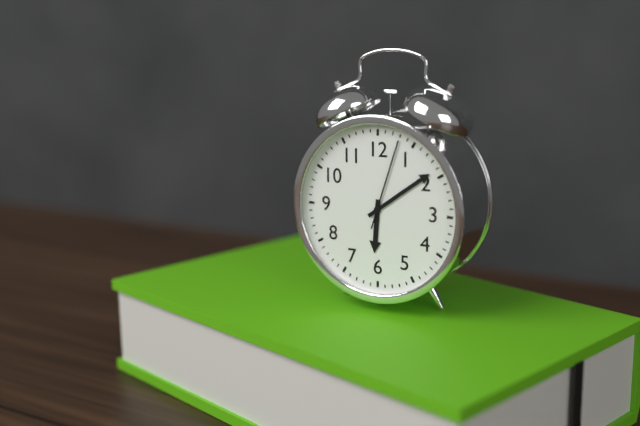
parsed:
6,09,03
